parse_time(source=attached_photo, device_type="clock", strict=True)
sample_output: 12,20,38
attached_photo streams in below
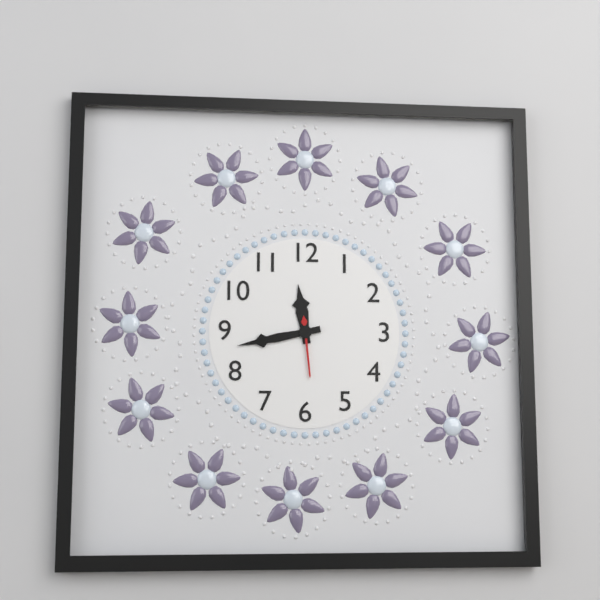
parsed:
11,43,29
